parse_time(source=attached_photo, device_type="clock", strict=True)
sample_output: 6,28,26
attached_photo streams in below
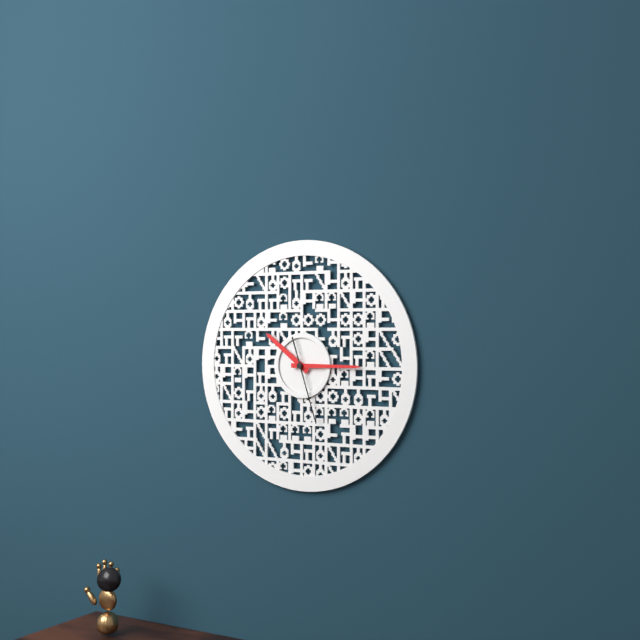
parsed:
10,15,27
